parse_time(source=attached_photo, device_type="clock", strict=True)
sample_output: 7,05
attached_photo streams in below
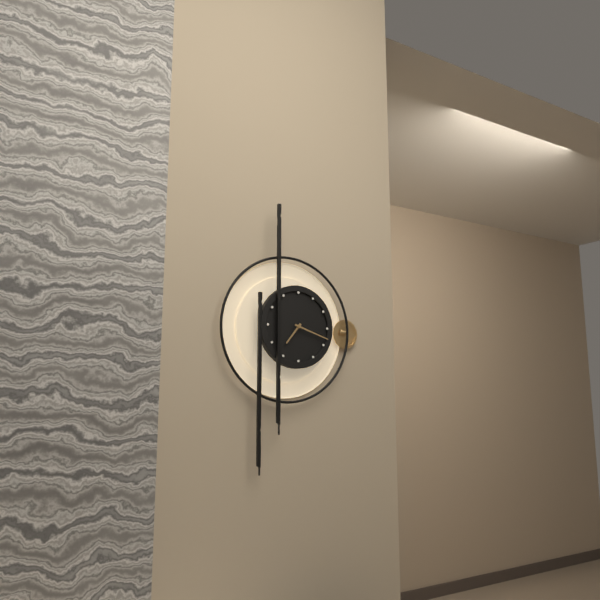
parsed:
7,18
